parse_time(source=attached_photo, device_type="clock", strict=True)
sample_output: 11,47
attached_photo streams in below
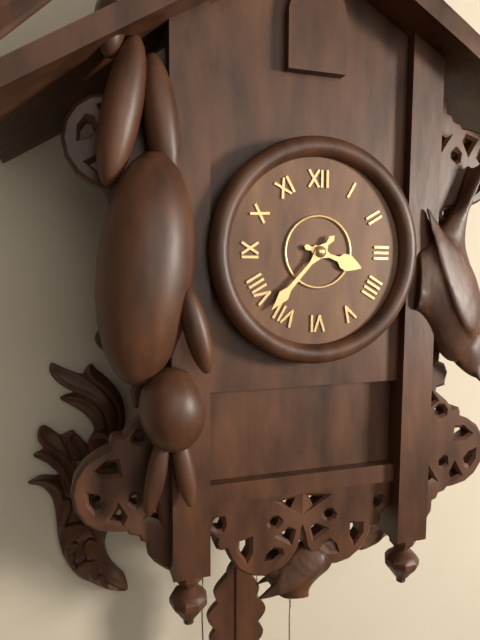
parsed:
3,37
